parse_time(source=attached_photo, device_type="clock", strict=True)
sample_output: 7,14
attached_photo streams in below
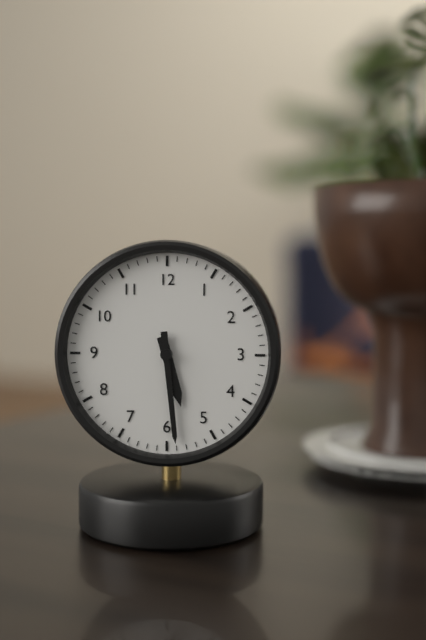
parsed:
5,29
